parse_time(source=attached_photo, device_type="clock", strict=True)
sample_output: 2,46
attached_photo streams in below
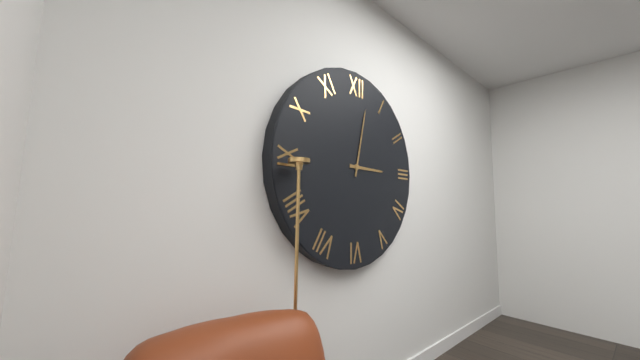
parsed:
3,02
